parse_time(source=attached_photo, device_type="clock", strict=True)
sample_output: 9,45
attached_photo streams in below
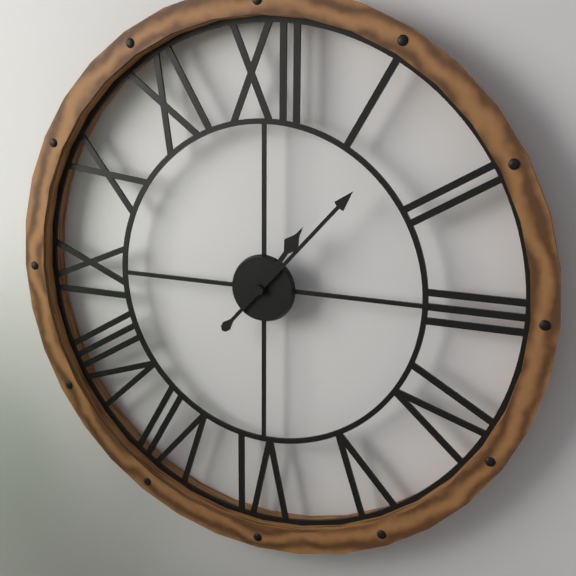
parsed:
1,07
